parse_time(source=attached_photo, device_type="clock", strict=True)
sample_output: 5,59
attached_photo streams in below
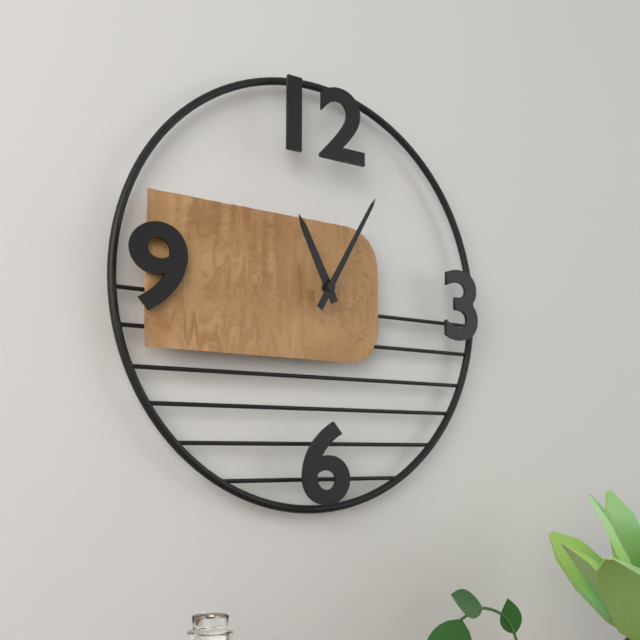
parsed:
11,05
